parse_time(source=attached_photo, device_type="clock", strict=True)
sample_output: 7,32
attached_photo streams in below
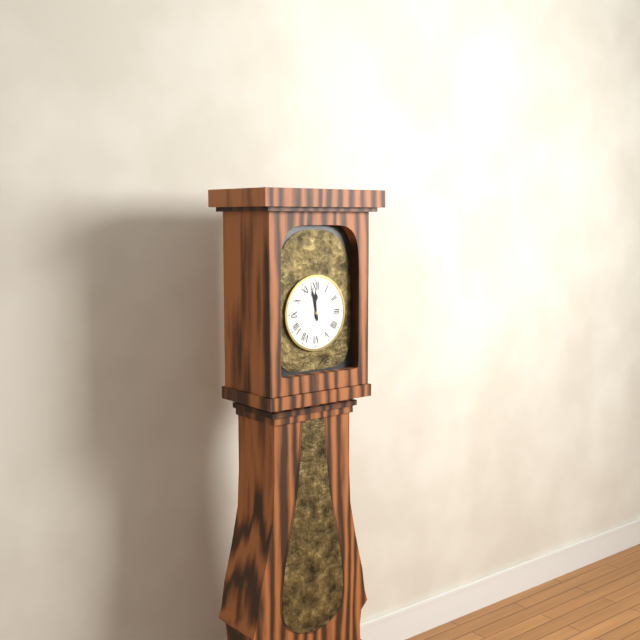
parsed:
11,58
